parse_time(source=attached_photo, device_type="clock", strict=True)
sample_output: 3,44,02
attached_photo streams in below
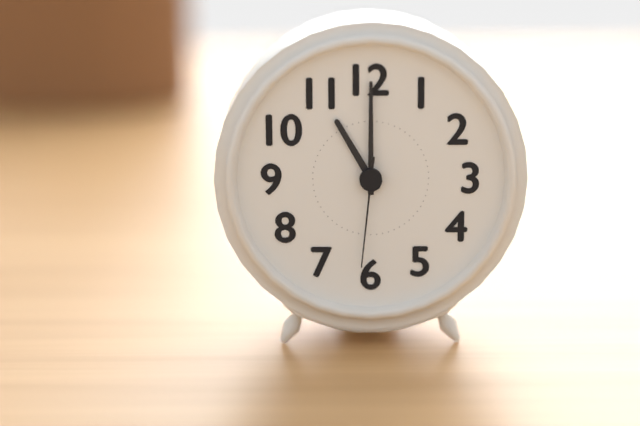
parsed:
11,00,31
